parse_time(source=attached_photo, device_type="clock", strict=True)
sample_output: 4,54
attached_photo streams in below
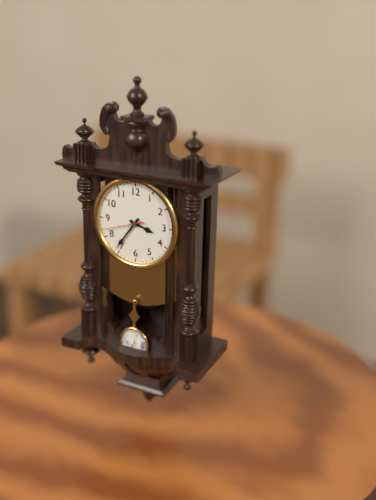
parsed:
3,36
